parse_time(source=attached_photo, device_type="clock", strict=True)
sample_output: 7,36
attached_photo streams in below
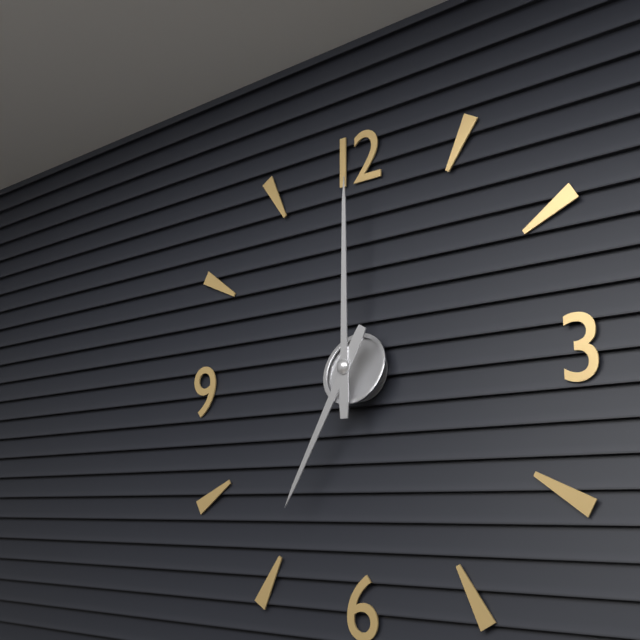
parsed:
7,00
